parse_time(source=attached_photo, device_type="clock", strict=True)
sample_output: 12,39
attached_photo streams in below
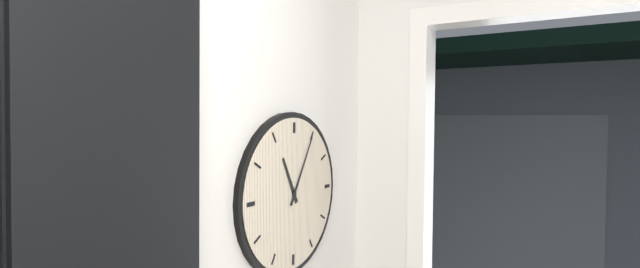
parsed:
11,05
